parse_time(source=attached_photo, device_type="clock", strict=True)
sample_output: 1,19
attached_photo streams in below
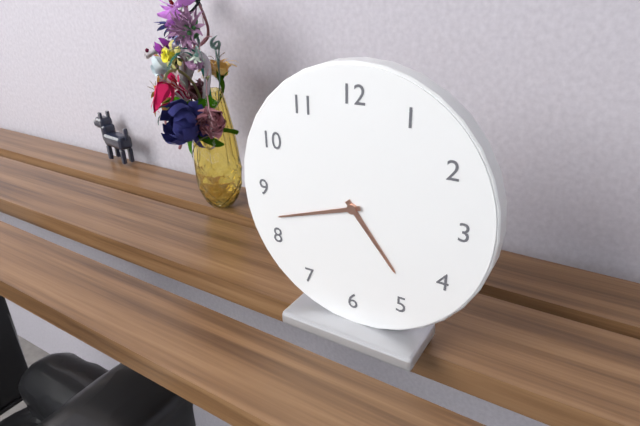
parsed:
4,42
